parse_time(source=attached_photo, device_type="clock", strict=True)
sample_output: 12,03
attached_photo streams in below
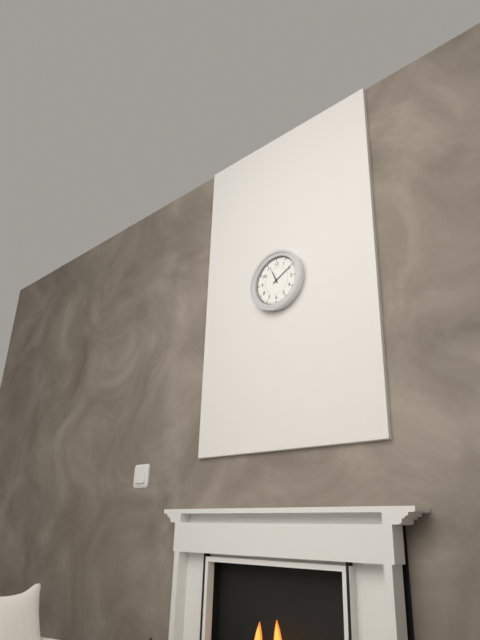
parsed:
11,10
